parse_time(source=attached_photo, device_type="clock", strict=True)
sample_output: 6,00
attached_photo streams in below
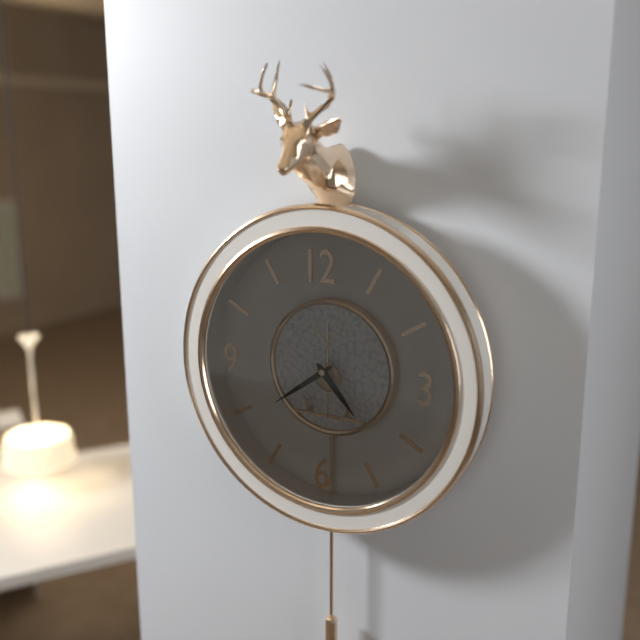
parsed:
4,39
